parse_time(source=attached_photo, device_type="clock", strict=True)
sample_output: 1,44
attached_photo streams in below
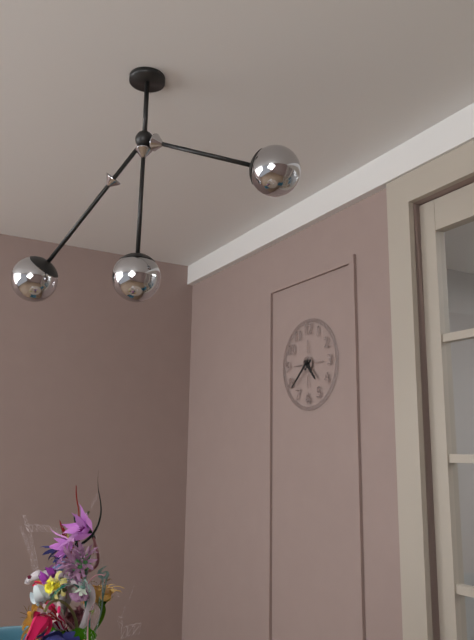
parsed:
4,38
